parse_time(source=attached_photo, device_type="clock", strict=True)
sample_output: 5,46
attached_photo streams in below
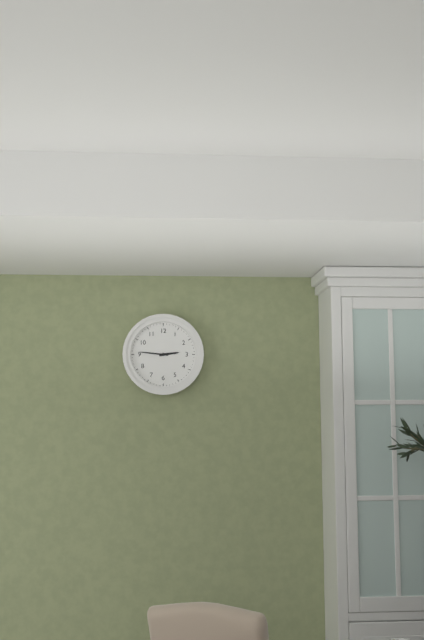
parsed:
2,46
